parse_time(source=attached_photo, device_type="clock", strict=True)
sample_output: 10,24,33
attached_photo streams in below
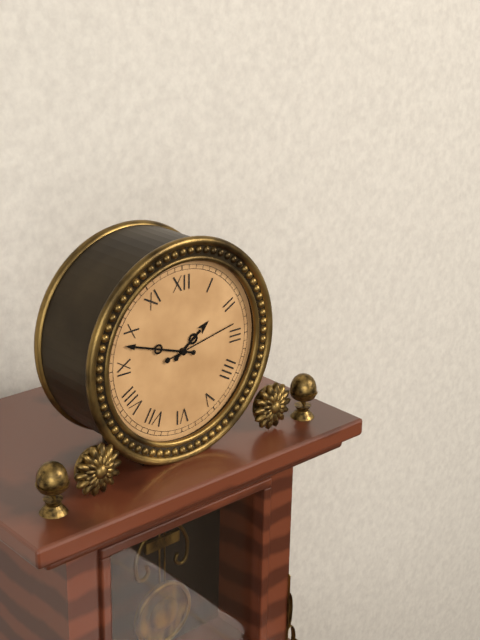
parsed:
1,48,13
